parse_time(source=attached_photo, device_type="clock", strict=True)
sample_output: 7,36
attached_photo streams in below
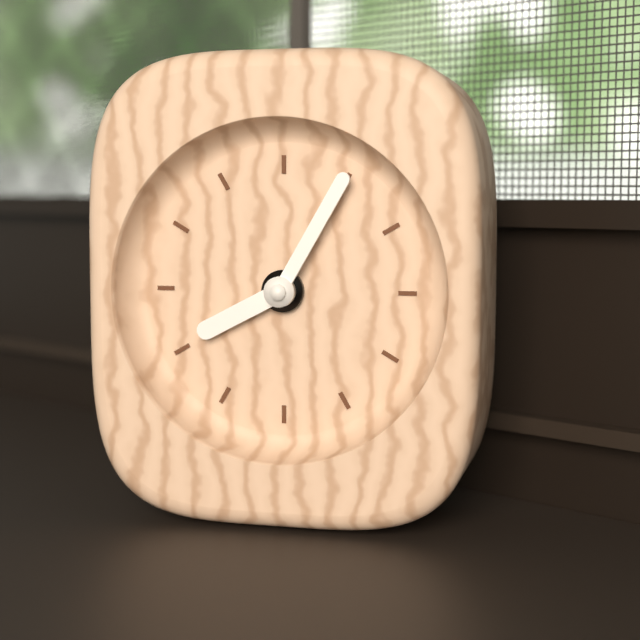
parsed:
8,05
